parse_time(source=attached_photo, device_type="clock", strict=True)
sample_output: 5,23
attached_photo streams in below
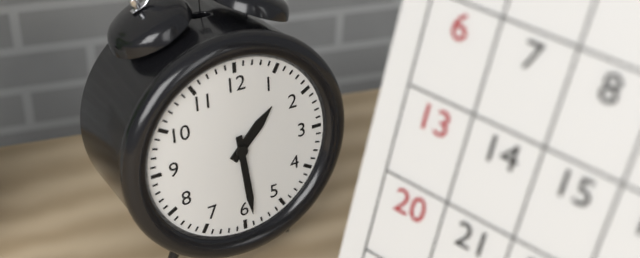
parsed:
1,29
